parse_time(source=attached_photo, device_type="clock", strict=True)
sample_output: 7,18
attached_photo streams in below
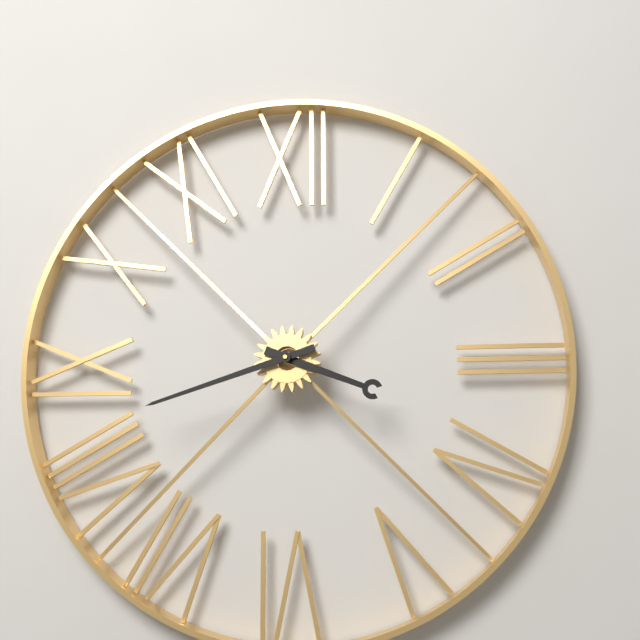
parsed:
3,42
